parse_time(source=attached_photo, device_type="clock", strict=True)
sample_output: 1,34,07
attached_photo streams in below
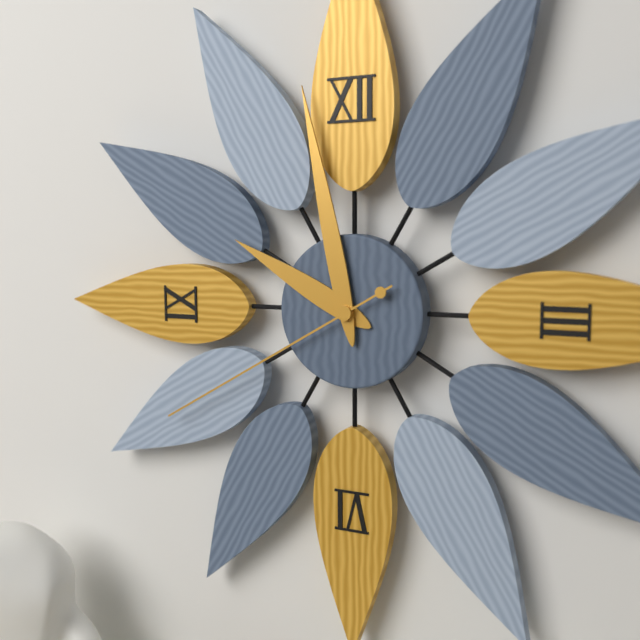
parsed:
9,58,40
